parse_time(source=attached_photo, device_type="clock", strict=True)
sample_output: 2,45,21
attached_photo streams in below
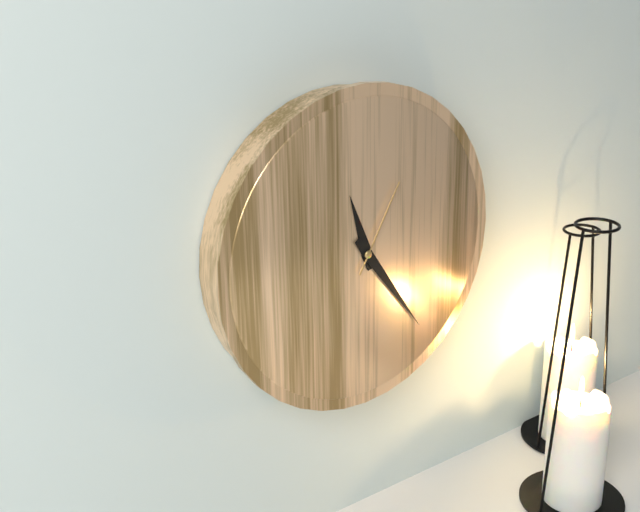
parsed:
11,24,05
